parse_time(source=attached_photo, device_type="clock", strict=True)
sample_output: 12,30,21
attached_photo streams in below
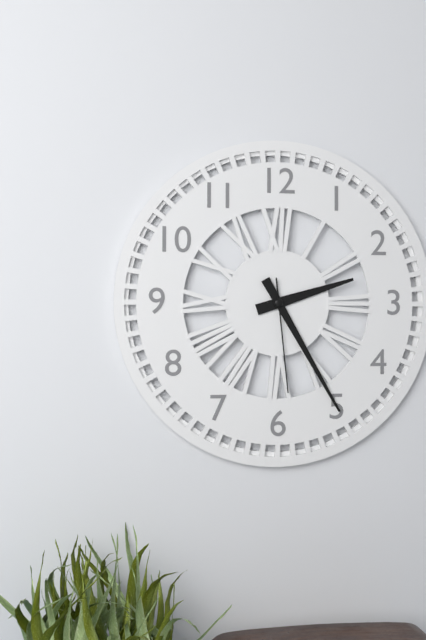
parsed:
2,25,29
